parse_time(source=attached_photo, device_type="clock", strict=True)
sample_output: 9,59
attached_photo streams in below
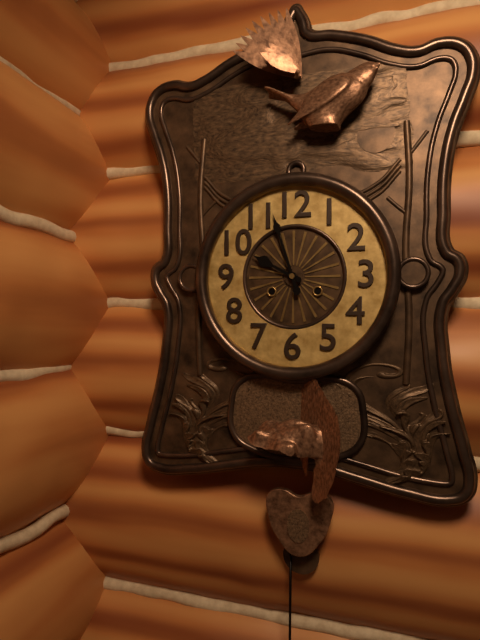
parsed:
9,57
